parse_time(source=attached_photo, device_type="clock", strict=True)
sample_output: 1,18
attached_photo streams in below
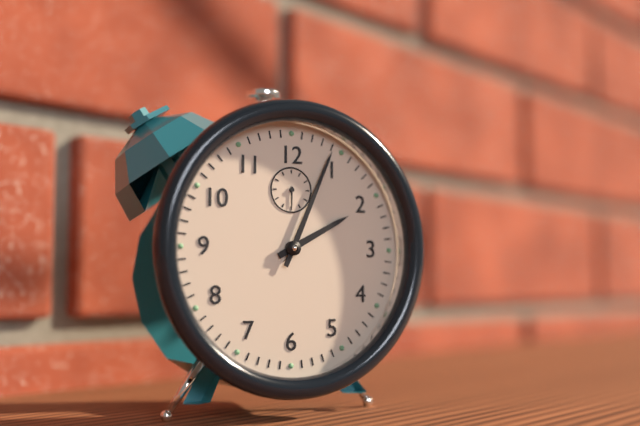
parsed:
2,04
